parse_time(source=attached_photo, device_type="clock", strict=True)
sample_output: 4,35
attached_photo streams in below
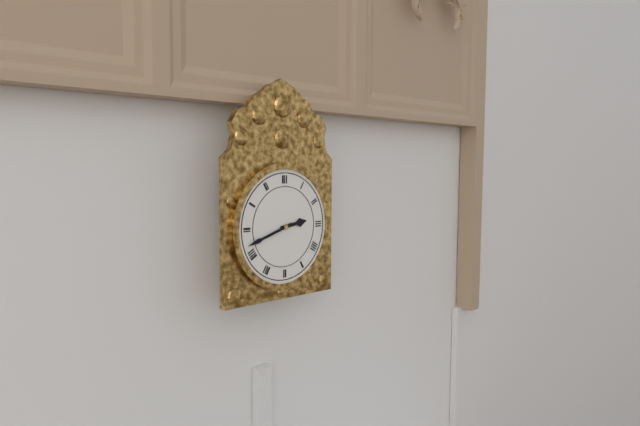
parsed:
2,42
